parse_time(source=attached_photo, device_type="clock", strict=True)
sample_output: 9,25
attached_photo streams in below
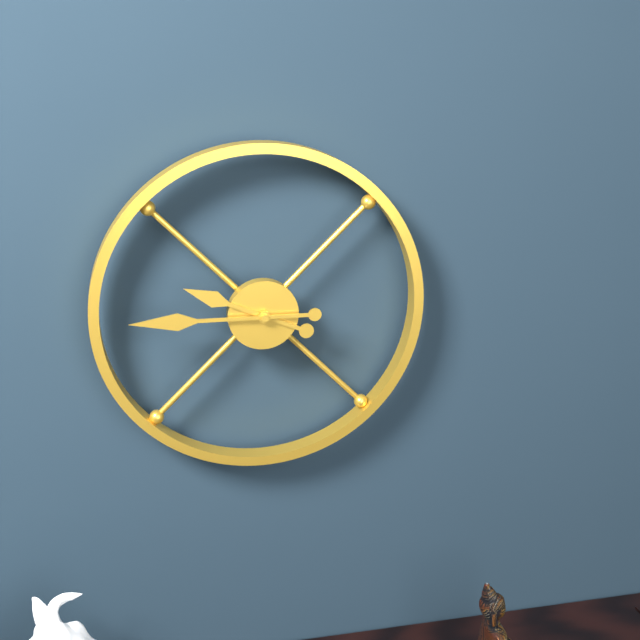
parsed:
9,45
